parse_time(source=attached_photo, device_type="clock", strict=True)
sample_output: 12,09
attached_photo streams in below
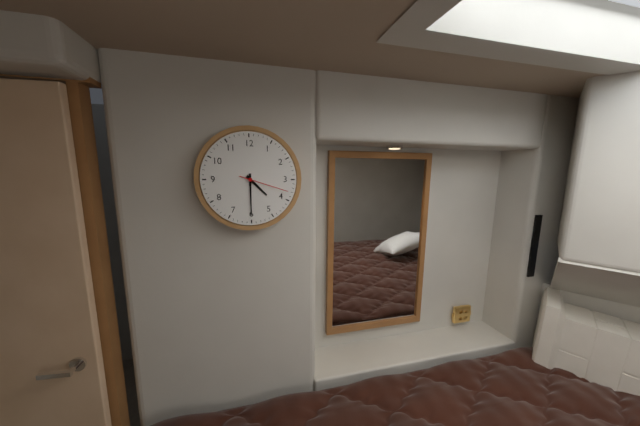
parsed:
4,30
